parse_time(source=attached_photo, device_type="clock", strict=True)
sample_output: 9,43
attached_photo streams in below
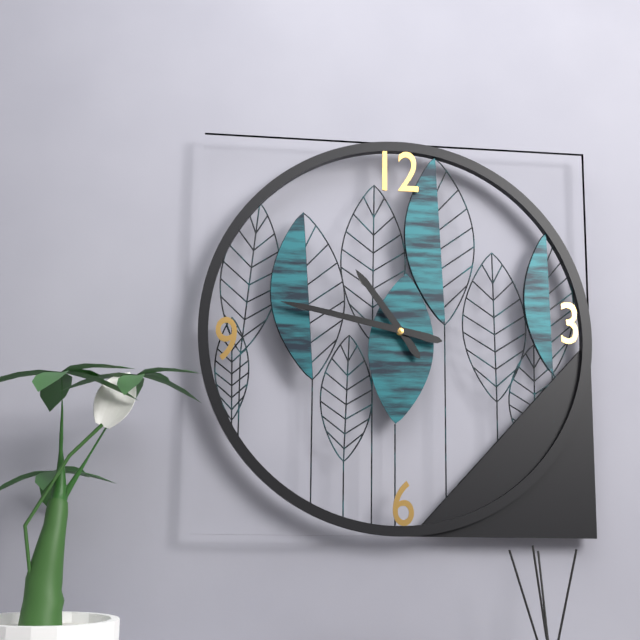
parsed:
10,47
